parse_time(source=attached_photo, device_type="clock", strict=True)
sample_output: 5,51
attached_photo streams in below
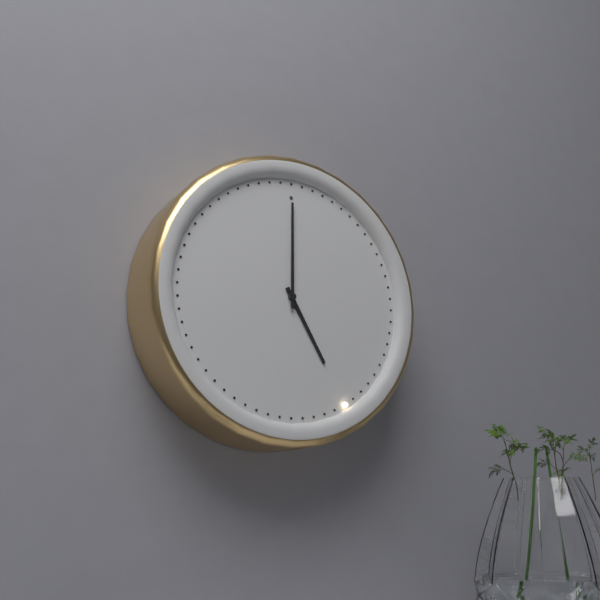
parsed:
5,00
